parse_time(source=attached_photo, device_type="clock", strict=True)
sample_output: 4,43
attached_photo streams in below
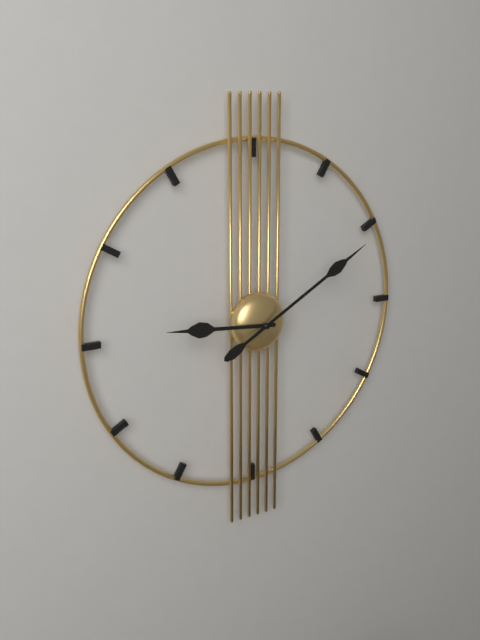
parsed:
9,10
